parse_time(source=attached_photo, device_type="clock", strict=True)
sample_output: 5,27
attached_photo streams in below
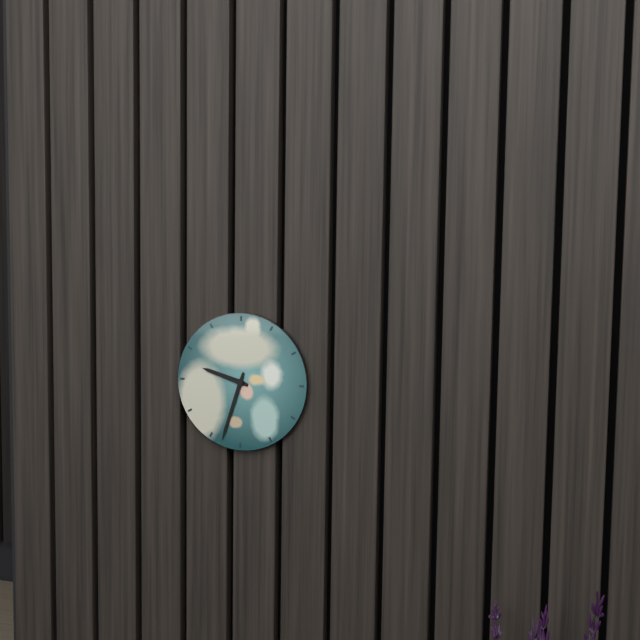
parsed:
9,33
